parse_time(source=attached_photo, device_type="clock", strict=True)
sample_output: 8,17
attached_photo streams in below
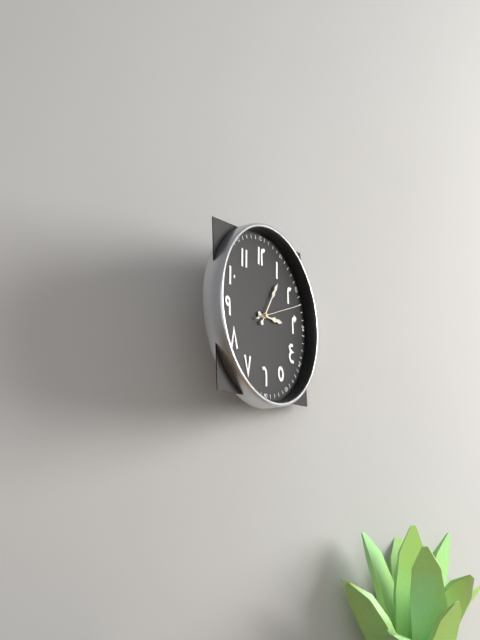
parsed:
3,06
